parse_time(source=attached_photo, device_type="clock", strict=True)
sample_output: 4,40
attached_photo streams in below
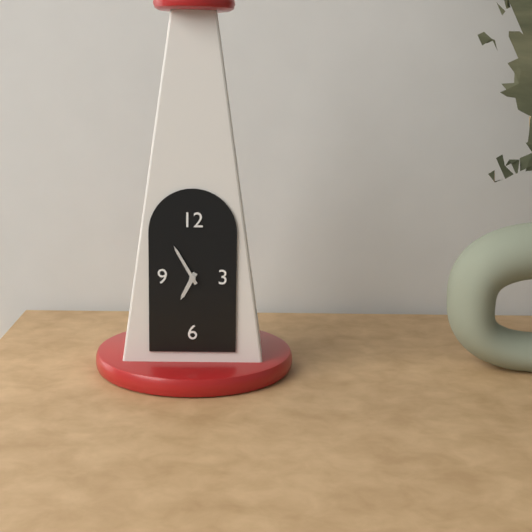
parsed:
6,55
